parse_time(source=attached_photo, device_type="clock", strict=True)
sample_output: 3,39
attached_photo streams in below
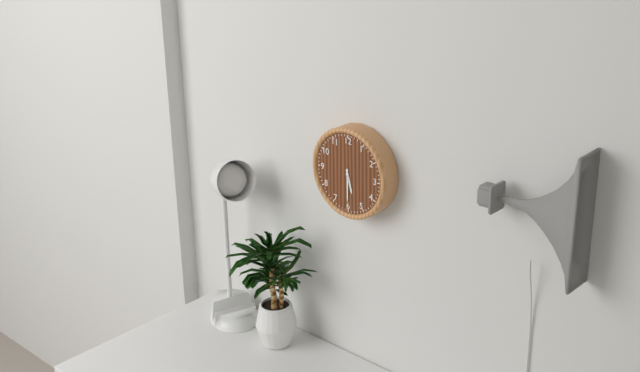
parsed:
5,30
